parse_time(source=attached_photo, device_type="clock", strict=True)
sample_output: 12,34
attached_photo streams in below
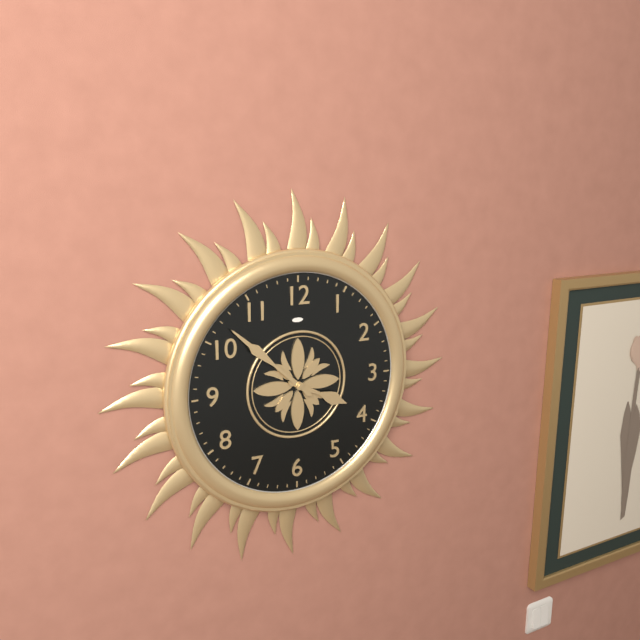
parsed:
3,52
